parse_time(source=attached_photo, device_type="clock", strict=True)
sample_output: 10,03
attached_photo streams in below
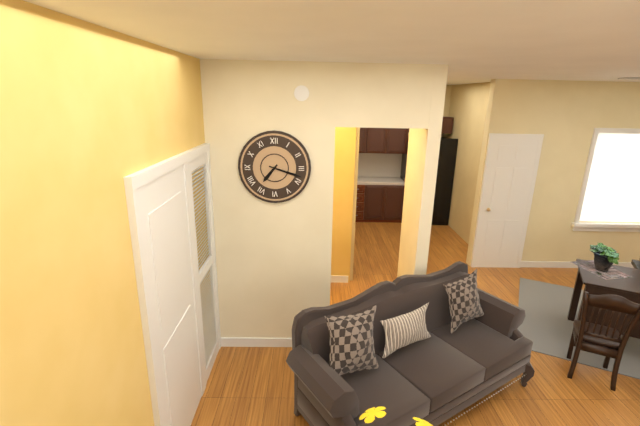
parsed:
7,18
